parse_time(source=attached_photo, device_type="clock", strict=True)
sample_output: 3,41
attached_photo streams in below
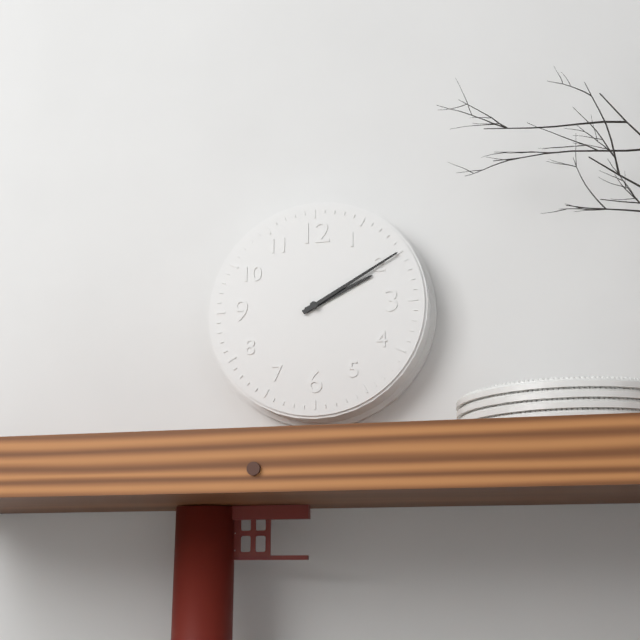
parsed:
2,10
